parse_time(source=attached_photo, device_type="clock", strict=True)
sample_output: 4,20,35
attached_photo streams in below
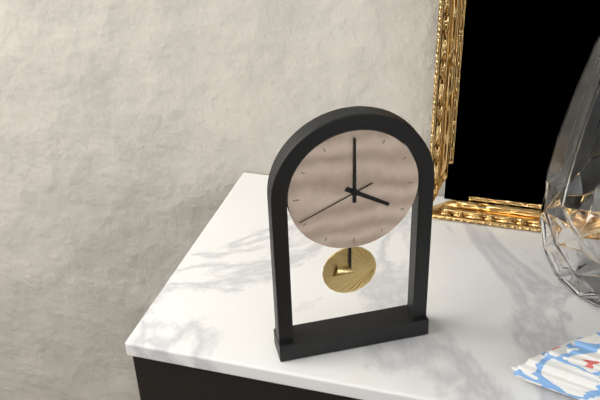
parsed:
4,00,41
